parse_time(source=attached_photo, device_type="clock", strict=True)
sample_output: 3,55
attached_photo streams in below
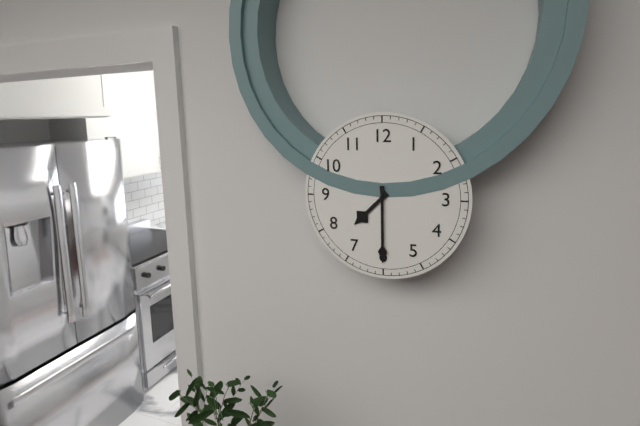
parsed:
7,30
